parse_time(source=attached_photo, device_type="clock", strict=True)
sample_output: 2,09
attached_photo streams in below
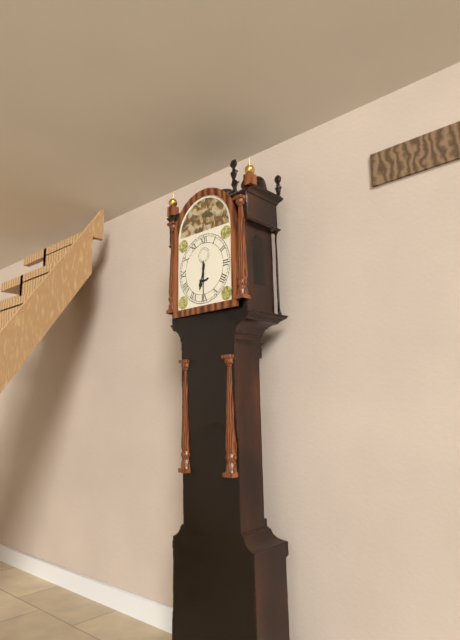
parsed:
6,30
